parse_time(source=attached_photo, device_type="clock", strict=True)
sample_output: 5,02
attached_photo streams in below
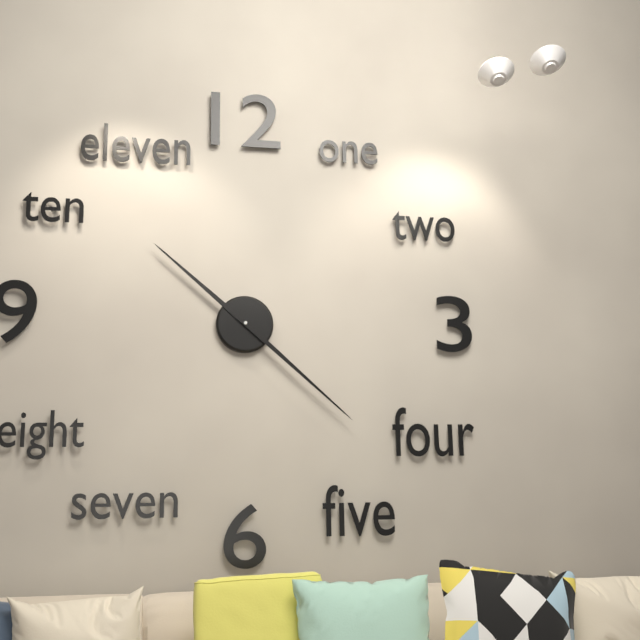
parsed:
10,22
